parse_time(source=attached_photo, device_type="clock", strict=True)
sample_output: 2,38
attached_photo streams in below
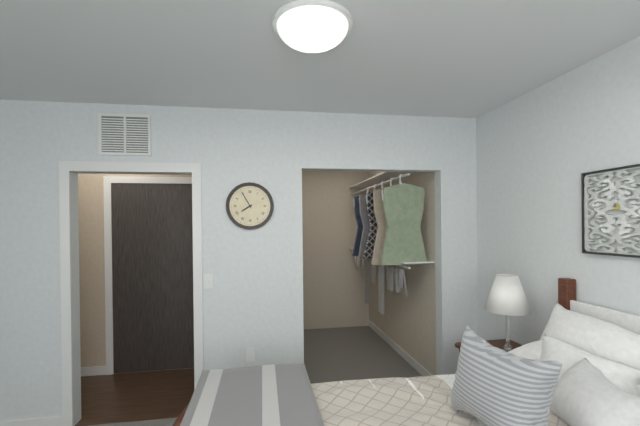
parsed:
7,55
